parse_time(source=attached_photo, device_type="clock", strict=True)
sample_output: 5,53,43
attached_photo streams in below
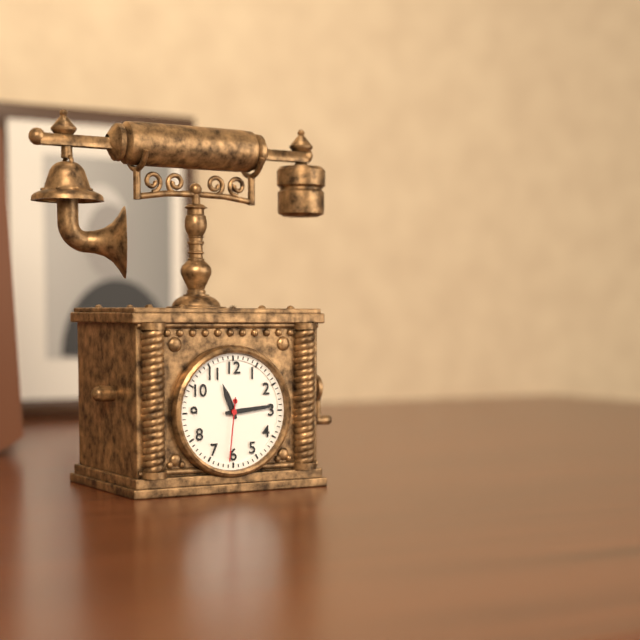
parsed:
11,14,31
